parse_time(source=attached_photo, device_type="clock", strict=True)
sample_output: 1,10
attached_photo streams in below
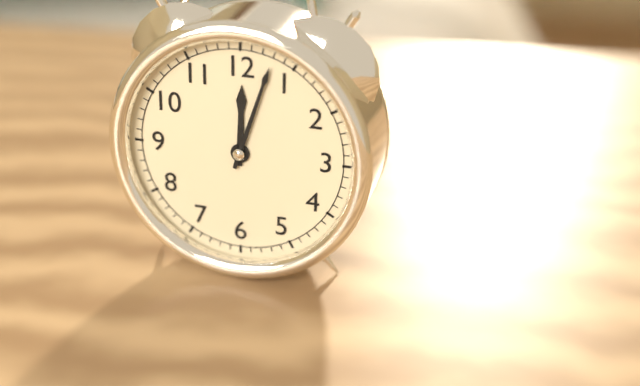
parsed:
12,03
